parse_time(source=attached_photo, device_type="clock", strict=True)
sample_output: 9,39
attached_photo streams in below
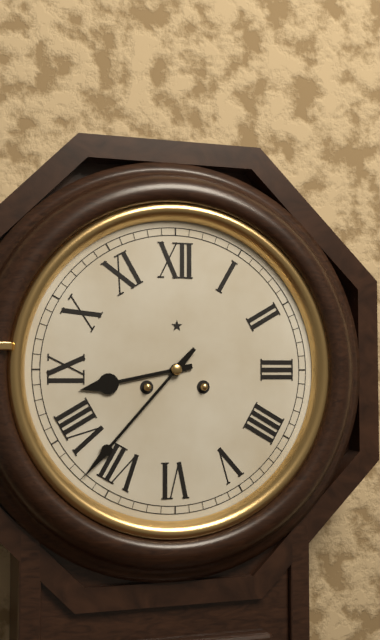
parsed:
8,37
